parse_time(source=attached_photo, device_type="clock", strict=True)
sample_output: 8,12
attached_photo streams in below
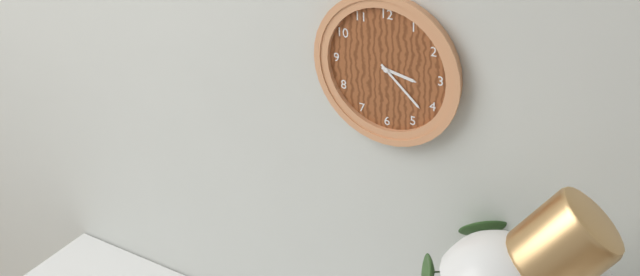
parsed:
3,22
